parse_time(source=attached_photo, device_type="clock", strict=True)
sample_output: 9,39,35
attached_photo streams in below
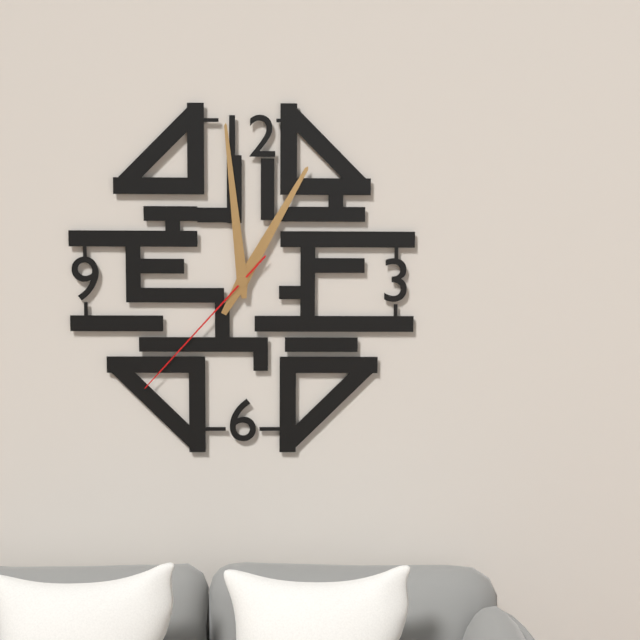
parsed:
12,59,37
